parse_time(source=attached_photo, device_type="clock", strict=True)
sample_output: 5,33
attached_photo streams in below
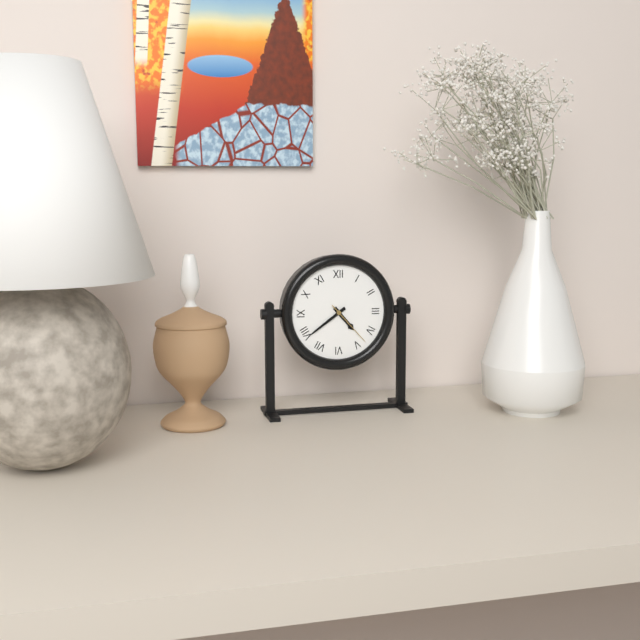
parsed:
4,39
